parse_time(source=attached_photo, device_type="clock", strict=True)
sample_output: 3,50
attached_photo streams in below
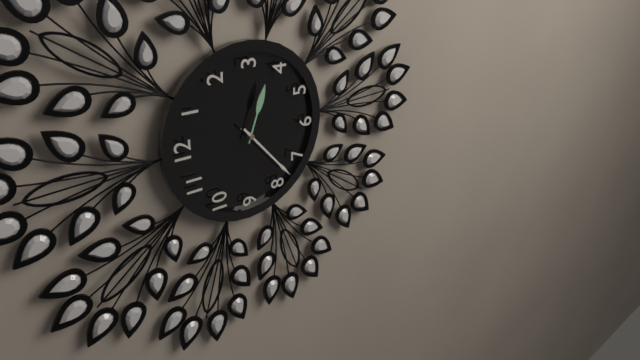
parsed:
3,38
